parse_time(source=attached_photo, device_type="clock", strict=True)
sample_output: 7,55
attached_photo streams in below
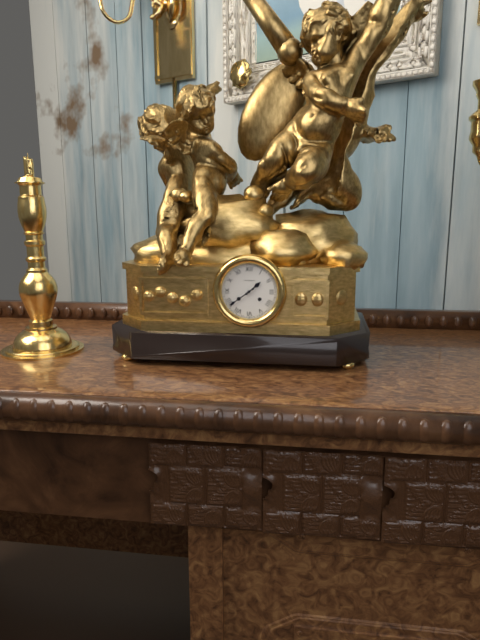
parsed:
1,39
